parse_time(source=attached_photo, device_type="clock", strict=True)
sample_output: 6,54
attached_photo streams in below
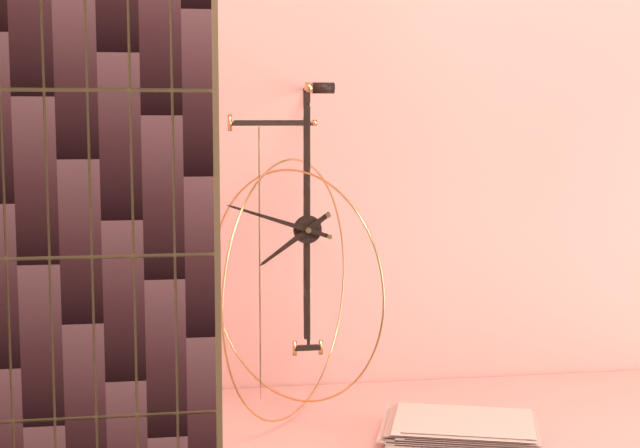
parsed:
7,48
